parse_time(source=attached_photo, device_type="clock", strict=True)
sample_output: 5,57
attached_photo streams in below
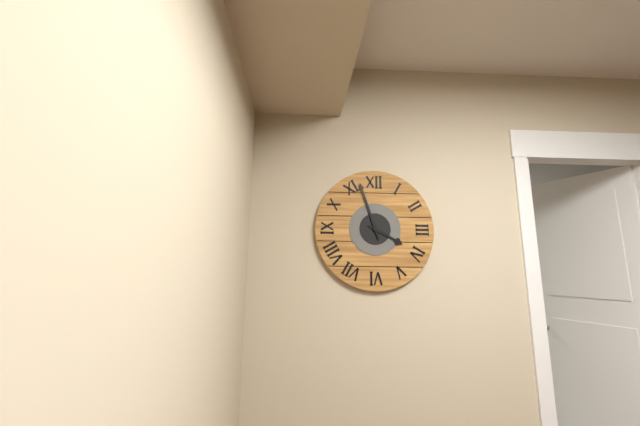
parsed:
3,57
